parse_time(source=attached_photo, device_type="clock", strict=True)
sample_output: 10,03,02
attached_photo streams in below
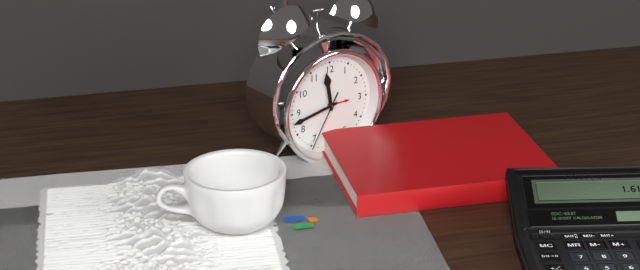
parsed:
11,43,35
